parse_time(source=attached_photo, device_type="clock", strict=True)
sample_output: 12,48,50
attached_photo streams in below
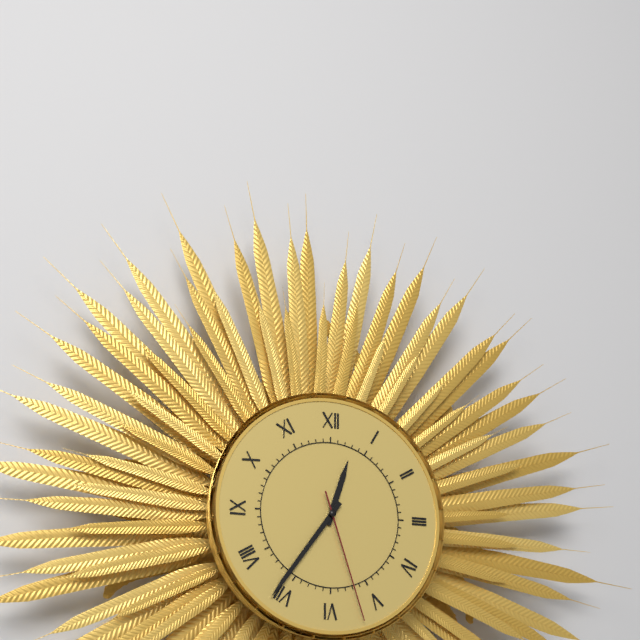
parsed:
12,36,27
